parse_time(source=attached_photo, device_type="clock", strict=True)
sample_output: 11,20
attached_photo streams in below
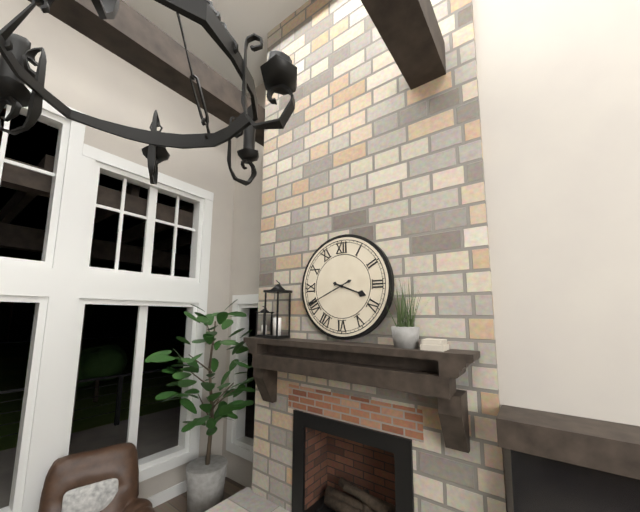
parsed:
3,41
